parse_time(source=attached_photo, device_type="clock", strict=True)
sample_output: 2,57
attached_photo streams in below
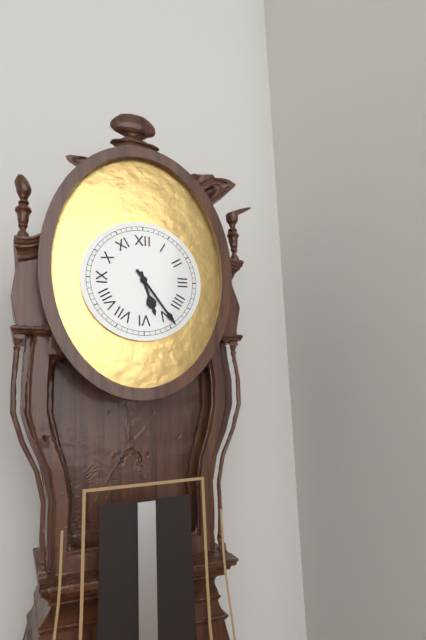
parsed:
5,24
